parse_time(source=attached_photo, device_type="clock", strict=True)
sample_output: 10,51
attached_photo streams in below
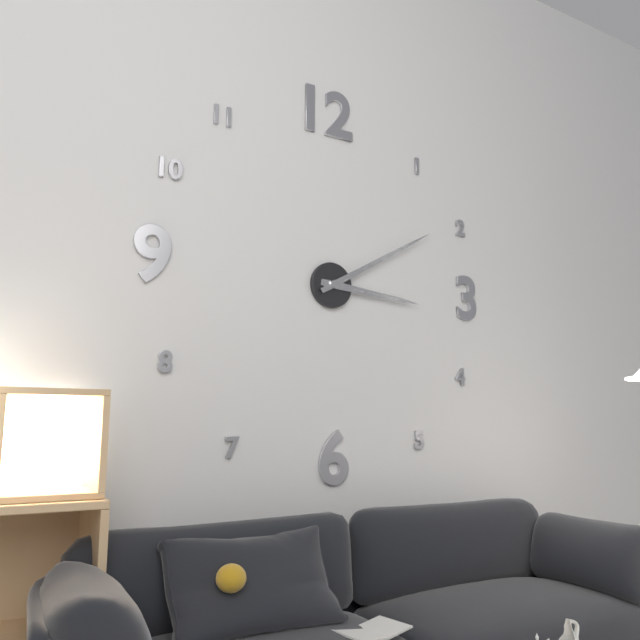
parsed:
3,10
